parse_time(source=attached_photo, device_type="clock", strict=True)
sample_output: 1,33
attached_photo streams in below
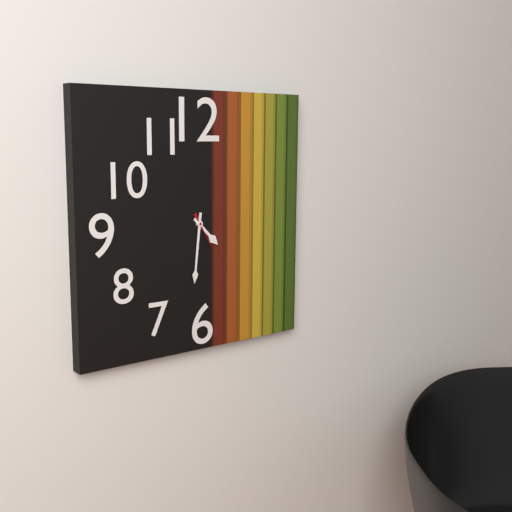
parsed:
4,31
